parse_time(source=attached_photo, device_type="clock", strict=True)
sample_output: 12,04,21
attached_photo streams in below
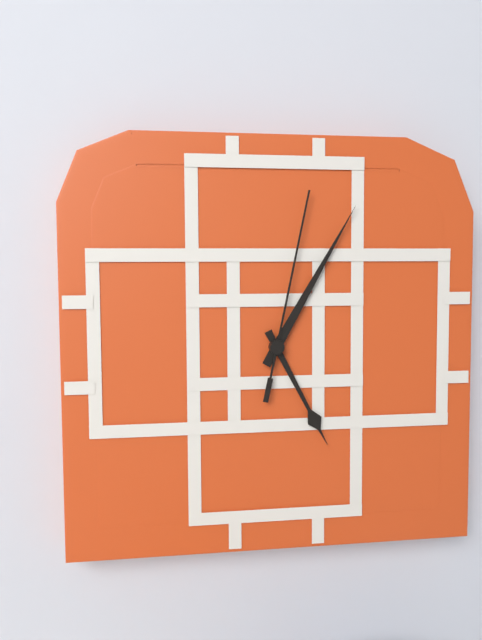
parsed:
5,05,02
